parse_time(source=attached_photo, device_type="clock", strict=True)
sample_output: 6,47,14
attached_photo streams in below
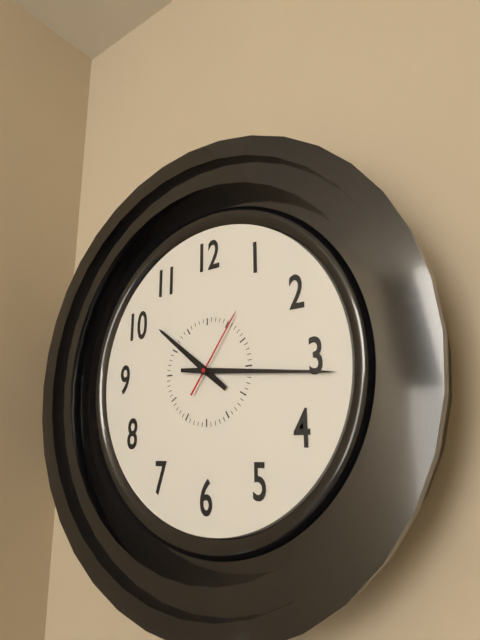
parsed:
10,16,06
